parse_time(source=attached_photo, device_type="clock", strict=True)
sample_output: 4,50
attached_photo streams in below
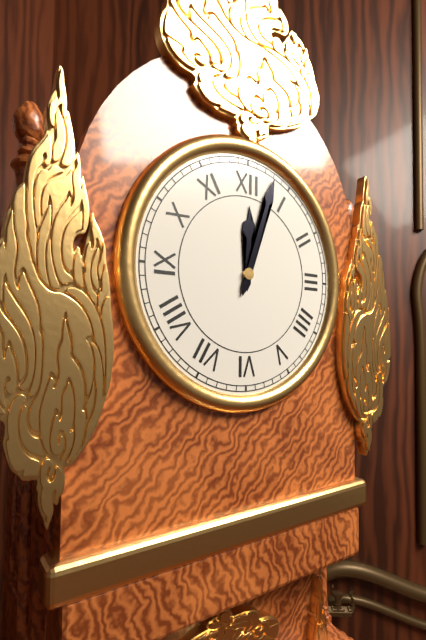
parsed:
12,03
